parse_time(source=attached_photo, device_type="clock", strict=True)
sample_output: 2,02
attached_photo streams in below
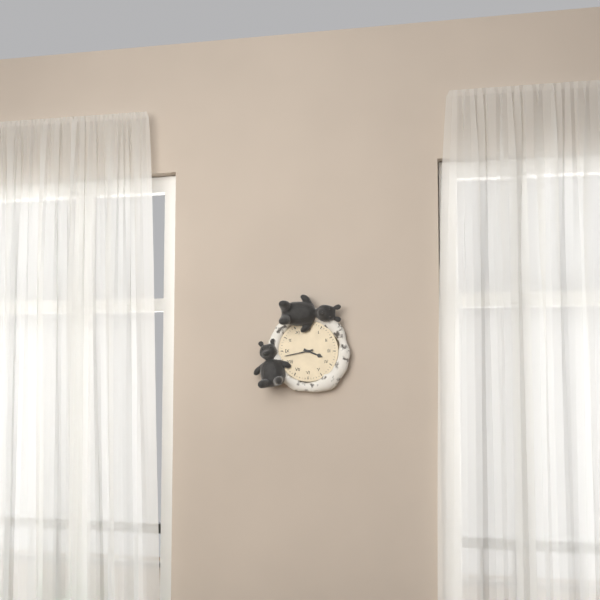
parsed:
3,43
